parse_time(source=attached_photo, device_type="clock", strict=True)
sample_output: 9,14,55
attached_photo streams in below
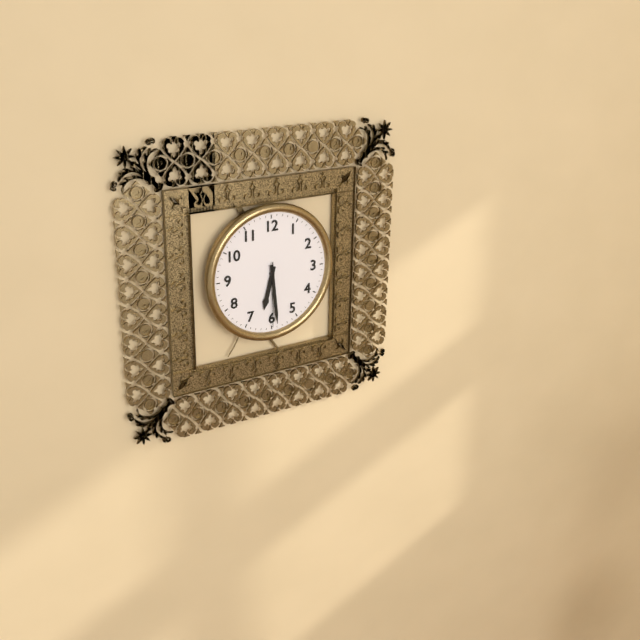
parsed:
6,29,30
